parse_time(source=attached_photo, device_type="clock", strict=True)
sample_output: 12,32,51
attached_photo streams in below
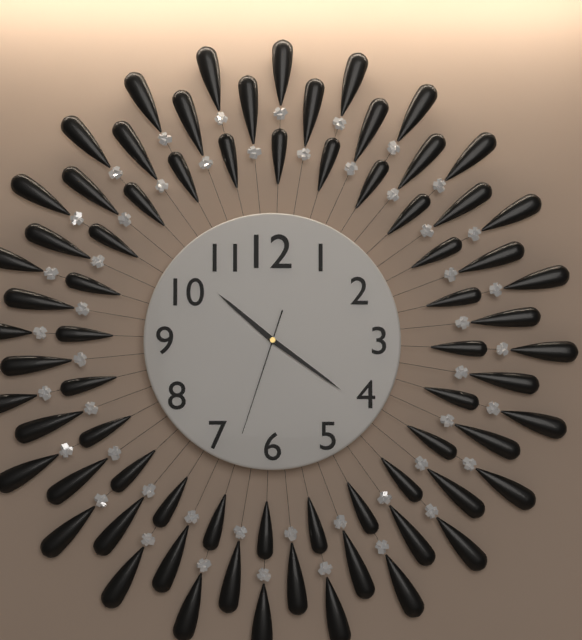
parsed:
10,21,33
